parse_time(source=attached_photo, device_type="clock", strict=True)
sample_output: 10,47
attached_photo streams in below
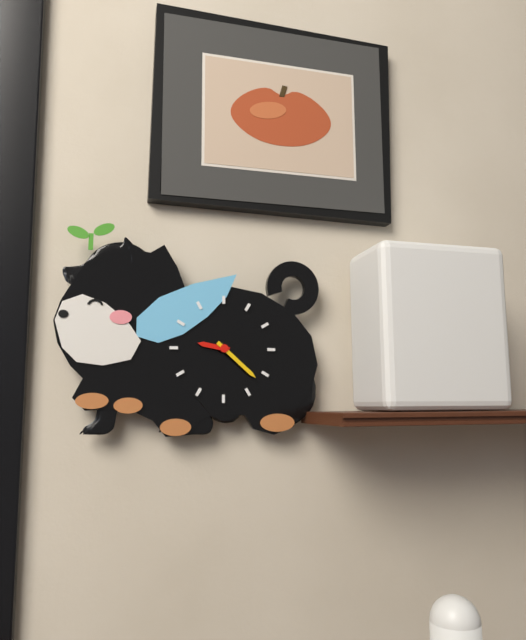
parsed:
9,22
